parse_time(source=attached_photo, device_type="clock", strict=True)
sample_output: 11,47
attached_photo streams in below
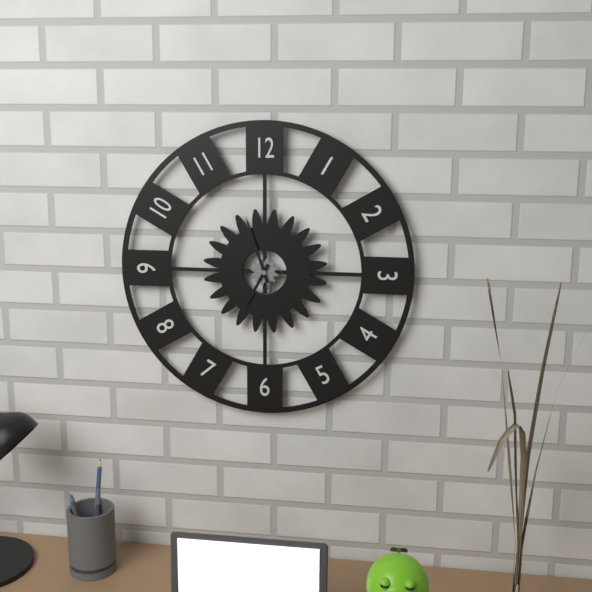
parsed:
6,57
